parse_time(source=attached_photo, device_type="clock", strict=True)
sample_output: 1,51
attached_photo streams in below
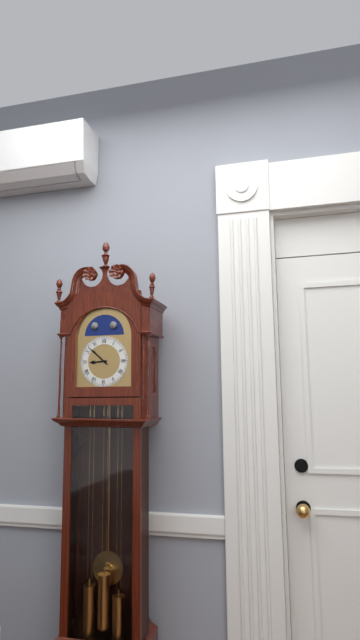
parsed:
8,52
